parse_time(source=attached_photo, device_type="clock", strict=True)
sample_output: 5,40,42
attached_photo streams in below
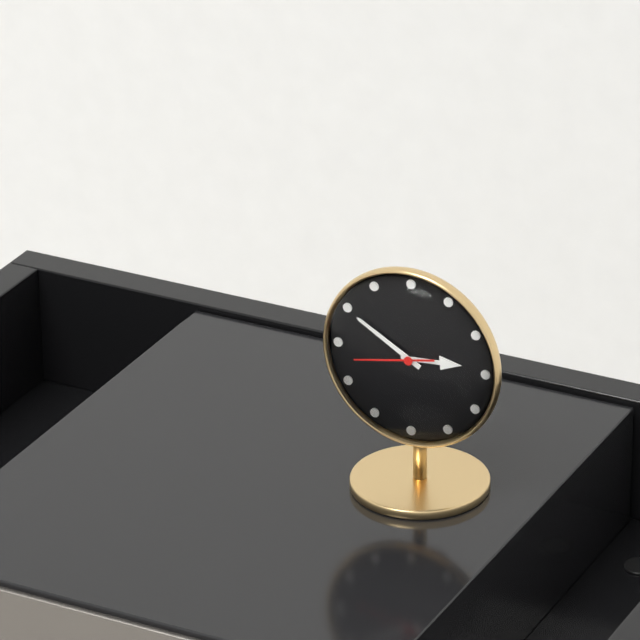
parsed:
2,50,43
